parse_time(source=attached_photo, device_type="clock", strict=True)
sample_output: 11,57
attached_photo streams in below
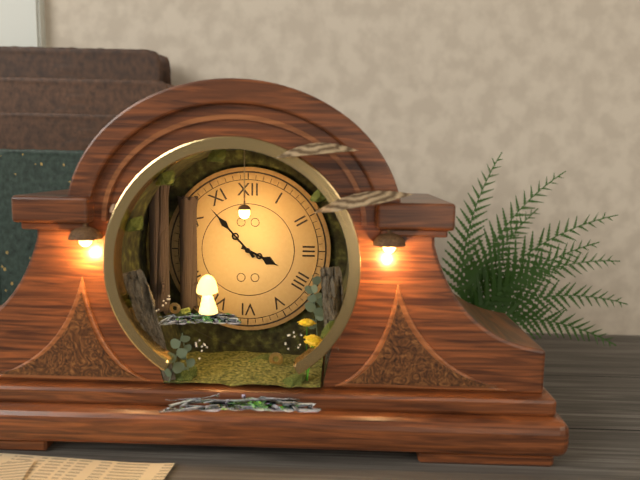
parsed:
3,53
